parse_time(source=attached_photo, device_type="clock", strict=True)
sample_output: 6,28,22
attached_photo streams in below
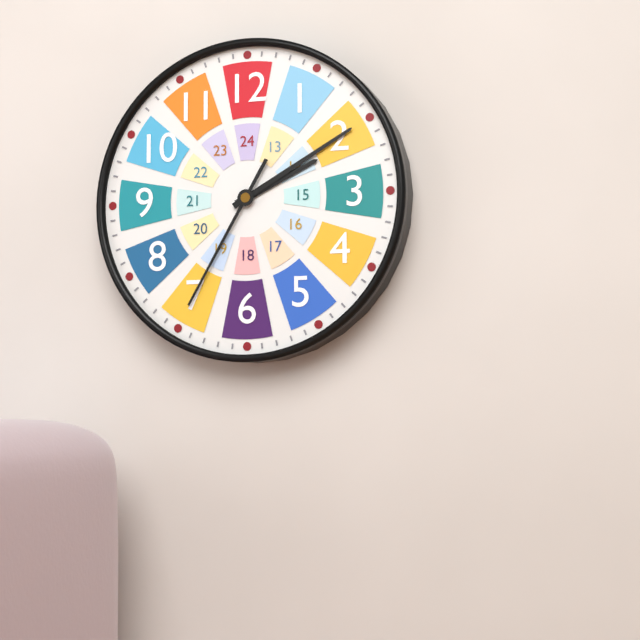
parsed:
2,10,35
